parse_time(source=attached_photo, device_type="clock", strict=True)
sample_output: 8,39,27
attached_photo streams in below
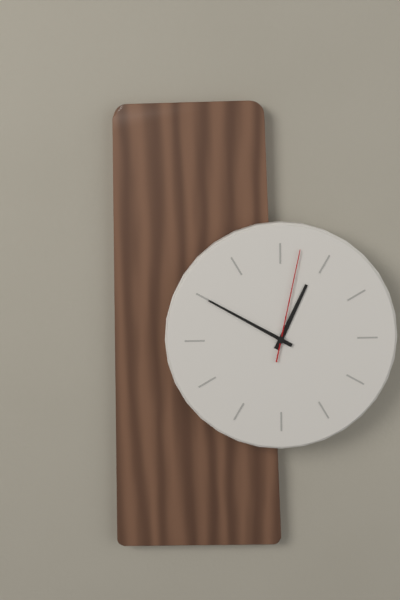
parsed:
12,50,02
